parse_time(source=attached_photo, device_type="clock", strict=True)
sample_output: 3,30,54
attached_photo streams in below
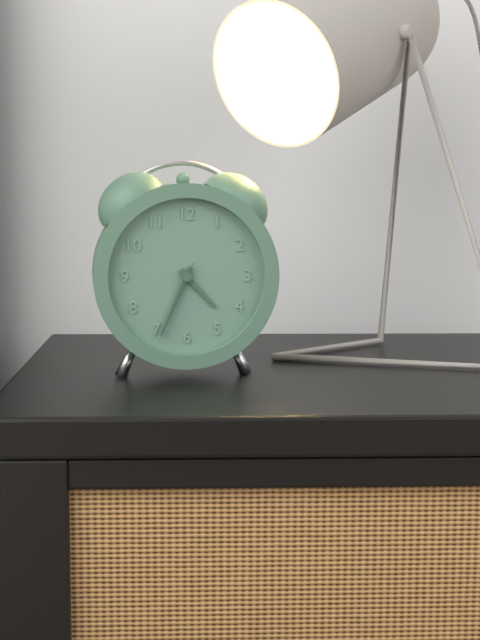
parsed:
4,34,34
